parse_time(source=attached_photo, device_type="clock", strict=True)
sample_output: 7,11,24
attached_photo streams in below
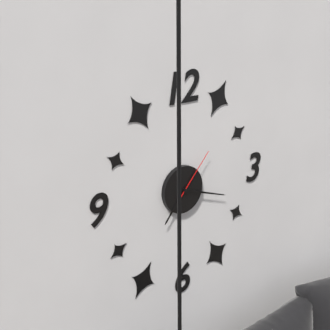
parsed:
7,18,07
